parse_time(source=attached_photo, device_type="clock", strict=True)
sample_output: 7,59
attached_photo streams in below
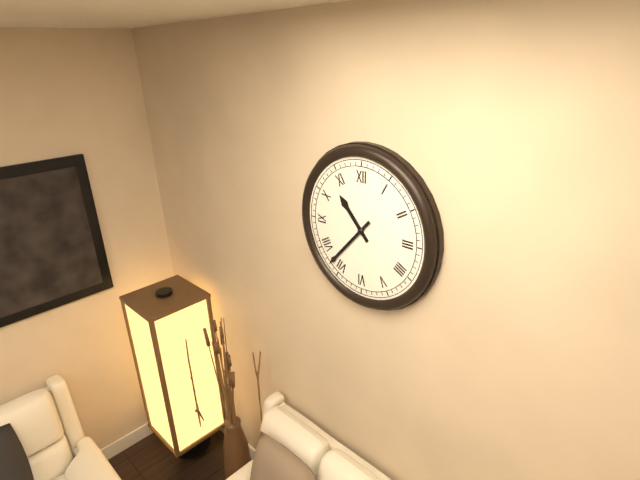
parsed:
10,37
